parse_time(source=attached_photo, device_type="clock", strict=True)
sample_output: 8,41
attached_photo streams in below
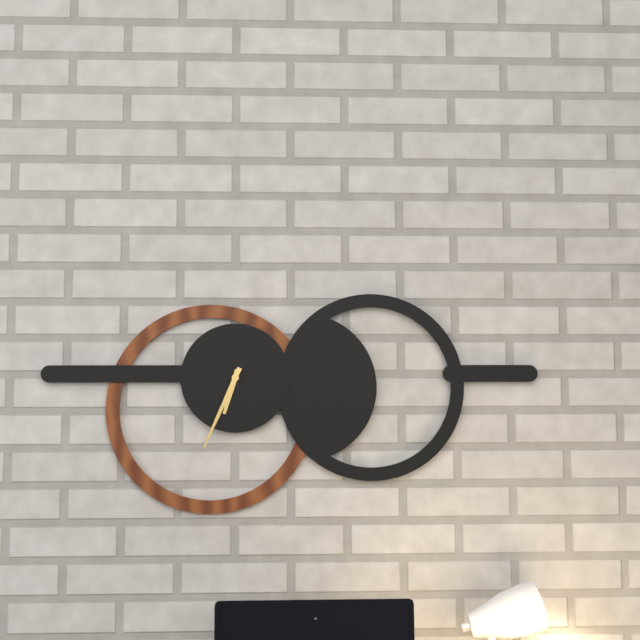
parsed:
6,34
